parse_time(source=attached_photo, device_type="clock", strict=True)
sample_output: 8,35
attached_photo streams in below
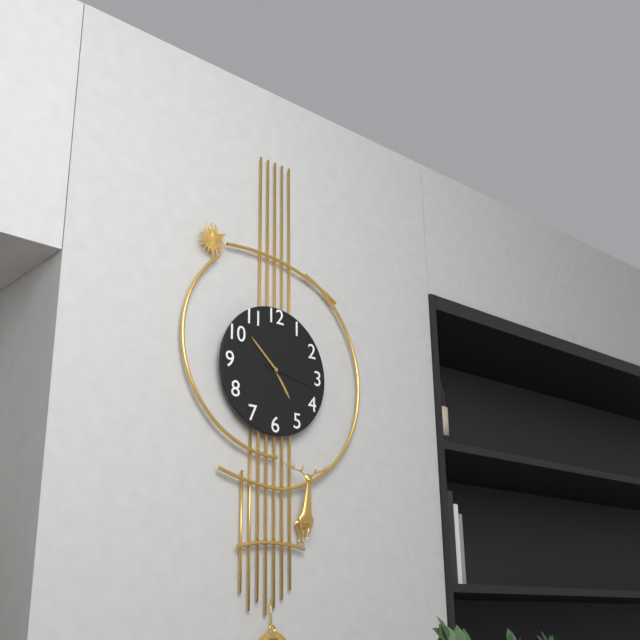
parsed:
4,52
